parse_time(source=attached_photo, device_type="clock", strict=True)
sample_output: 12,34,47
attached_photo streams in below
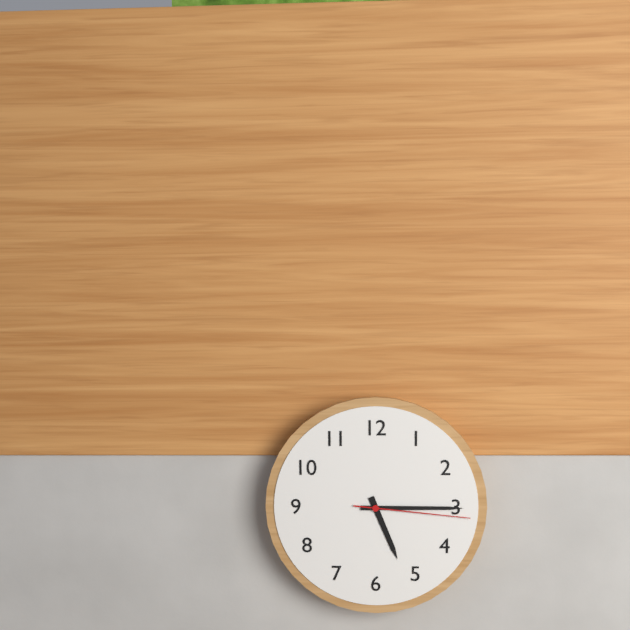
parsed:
5,15,16
